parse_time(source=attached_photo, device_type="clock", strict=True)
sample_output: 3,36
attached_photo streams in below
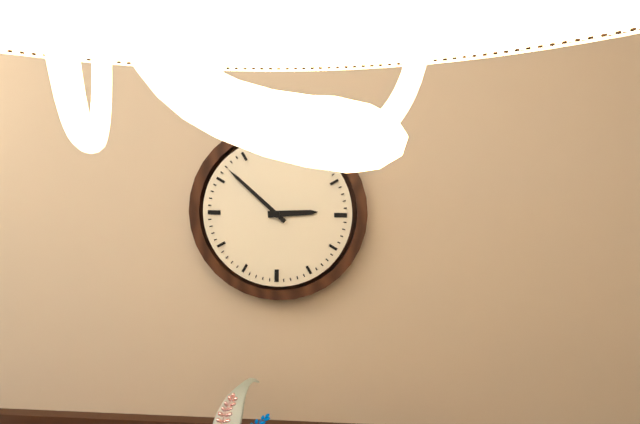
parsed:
2,52
